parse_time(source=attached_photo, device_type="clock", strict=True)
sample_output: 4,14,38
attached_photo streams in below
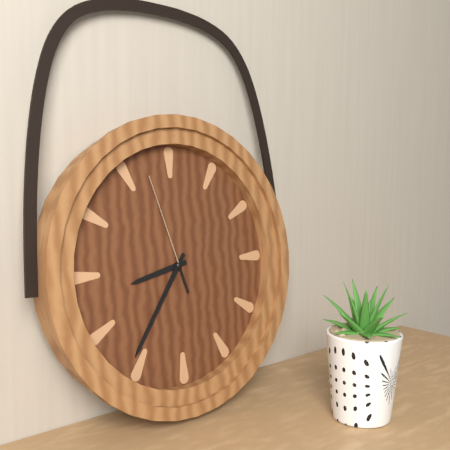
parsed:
8,36,57
